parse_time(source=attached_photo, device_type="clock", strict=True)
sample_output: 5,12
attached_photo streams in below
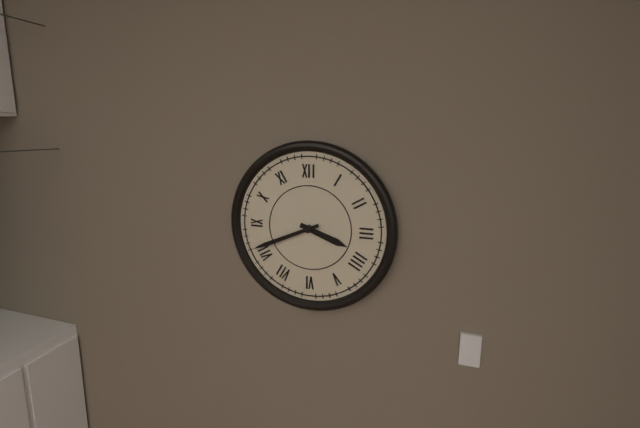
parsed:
3,41
